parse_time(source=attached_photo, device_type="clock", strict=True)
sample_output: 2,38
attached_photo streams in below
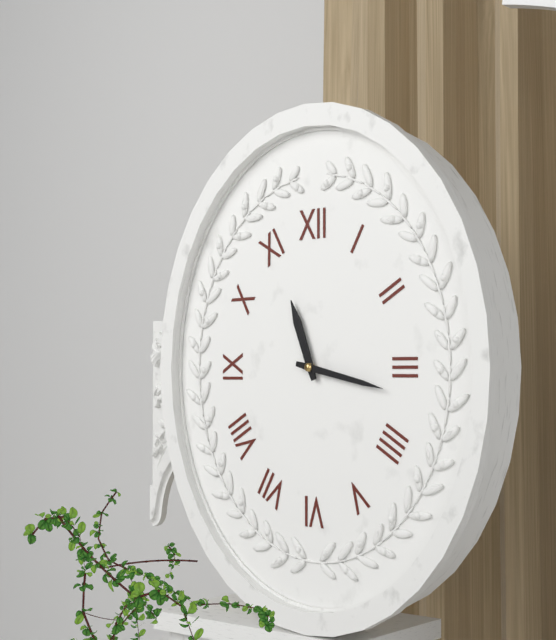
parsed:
11,17
